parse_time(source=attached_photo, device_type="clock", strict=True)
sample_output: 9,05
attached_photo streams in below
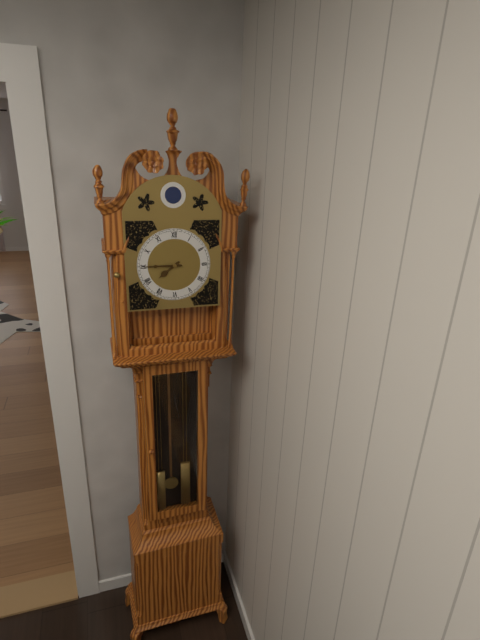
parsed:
7,45
